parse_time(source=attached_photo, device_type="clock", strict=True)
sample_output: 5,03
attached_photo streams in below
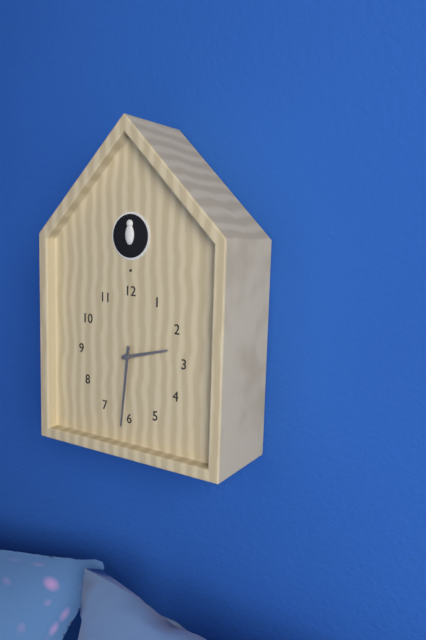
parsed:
2,31
